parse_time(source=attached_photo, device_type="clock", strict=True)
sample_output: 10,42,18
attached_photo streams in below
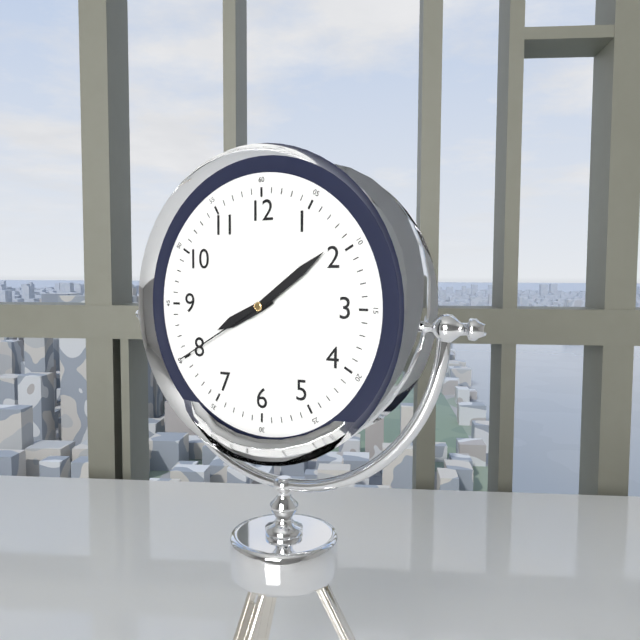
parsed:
8,09,40
